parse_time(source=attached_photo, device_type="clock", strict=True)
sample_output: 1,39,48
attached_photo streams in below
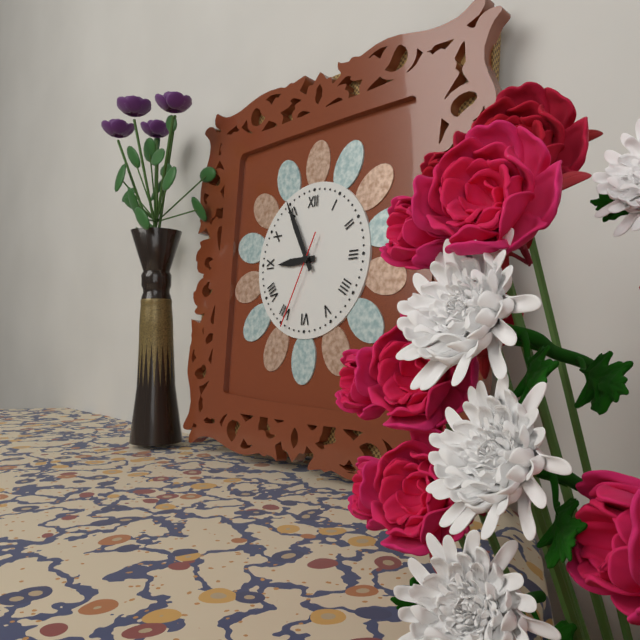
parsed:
8,55,34
